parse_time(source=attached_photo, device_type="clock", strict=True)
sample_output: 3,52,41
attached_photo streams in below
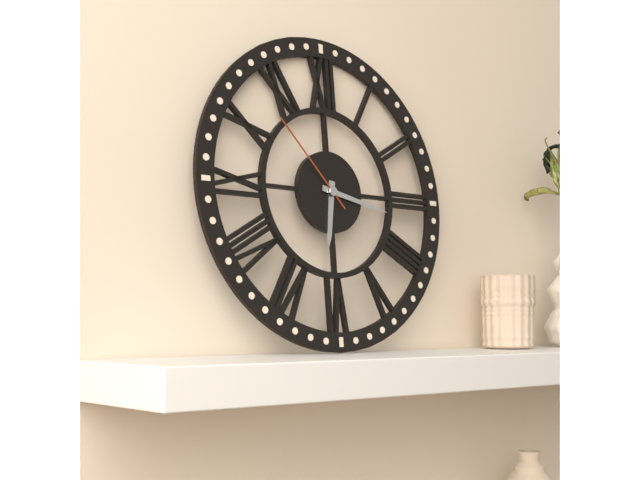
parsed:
6,17,53
